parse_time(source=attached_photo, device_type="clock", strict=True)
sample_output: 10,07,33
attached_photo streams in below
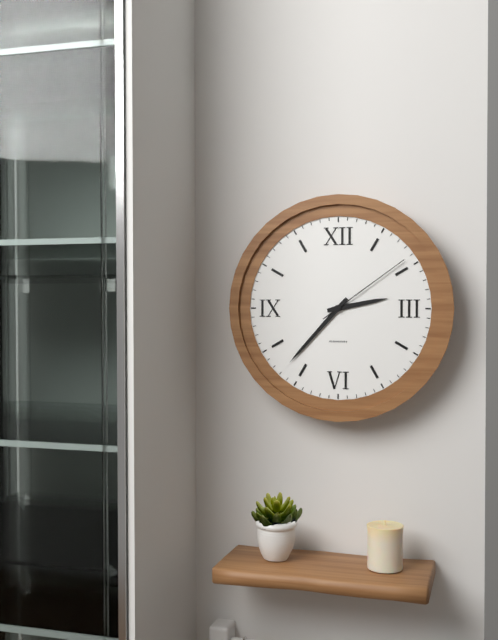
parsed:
2,37,09
